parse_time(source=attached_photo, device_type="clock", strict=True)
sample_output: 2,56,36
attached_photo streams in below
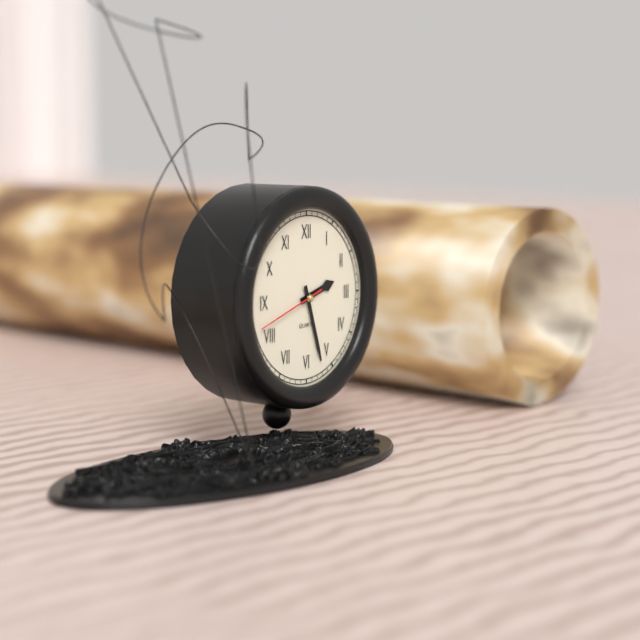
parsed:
2,27,42
